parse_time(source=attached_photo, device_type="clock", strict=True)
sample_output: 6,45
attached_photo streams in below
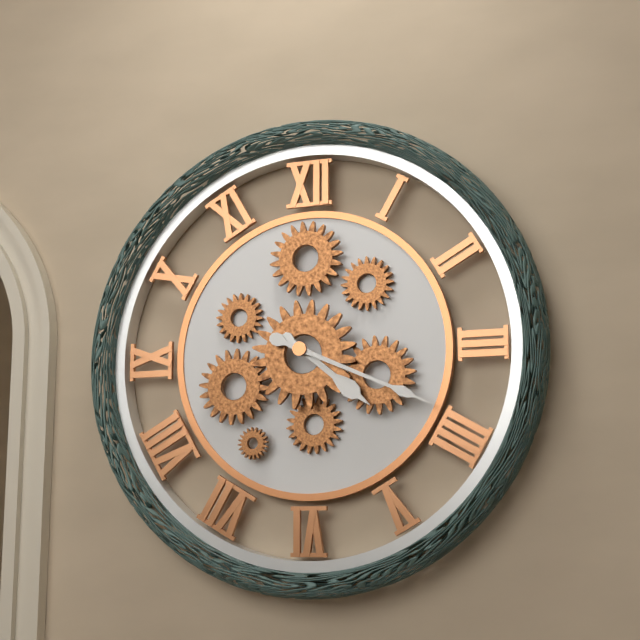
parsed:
4,19
